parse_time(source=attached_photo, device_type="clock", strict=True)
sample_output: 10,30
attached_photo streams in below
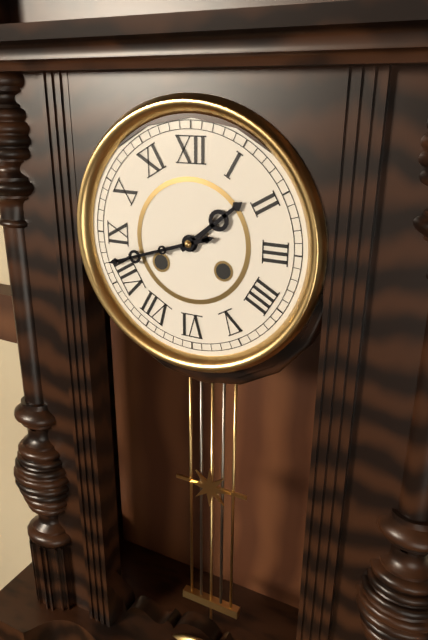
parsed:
1,42
